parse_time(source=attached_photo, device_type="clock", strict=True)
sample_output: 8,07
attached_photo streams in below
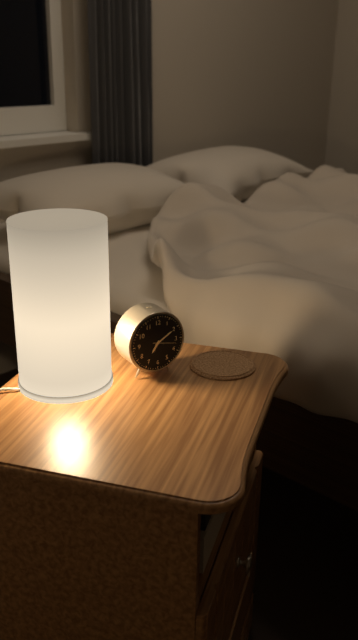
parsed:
7,10
